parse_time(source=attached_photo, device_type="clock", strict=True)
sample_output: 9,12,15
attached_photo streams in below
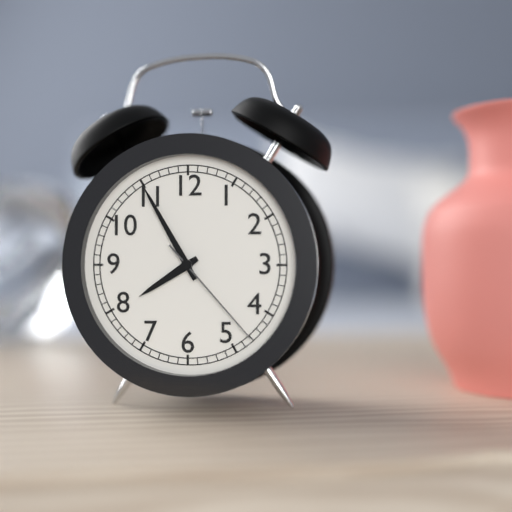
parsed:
7,55,23
